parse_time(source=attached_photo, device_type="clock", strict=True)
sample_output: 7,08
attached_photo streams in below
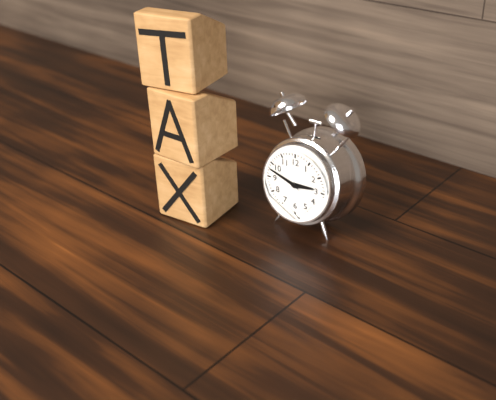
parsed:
2,48
